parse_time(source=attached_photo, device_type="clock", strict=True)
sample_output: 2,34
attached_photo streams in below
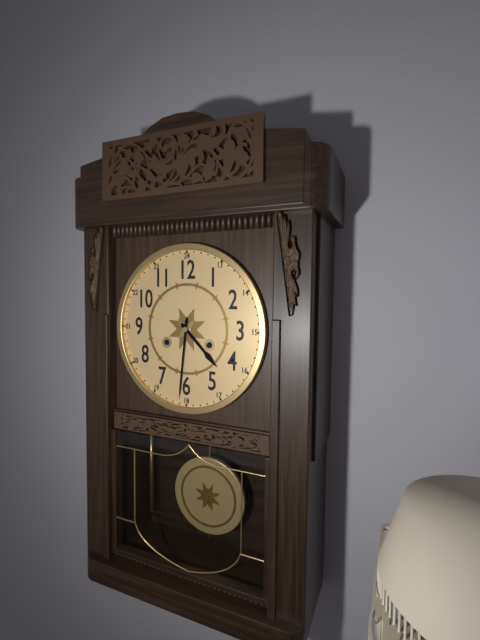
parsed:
4,31
